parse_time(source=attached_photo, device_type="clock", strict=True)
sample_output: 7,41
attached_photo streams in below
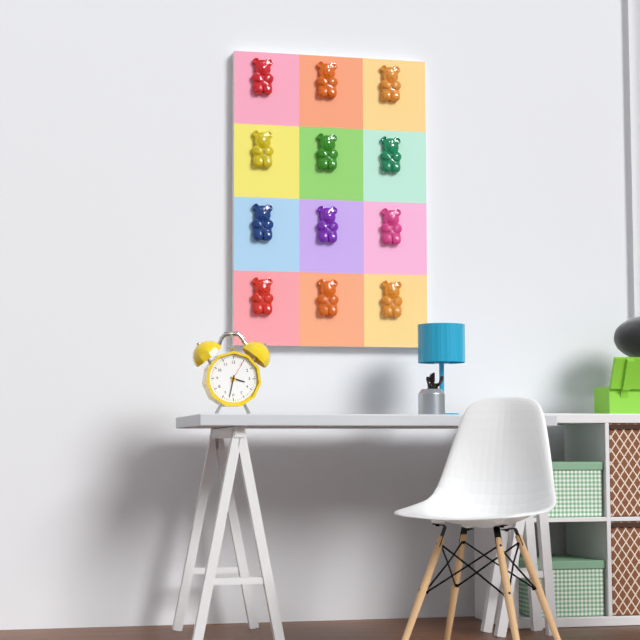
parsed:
3,32
